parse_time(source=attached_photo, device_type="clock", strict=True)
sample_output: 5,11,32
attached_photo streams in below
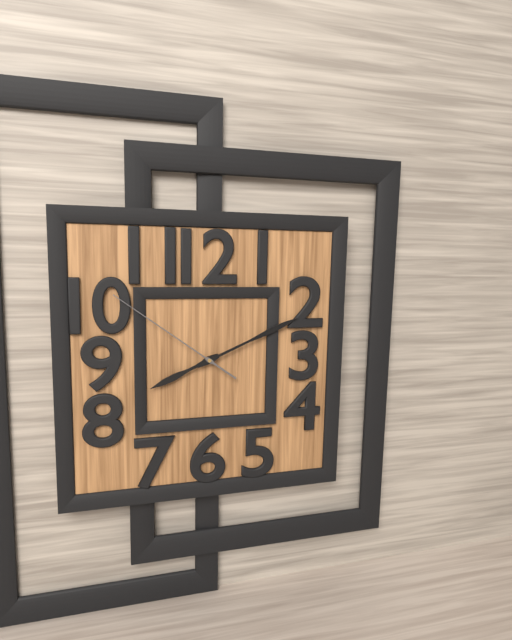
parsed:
8,11,51
